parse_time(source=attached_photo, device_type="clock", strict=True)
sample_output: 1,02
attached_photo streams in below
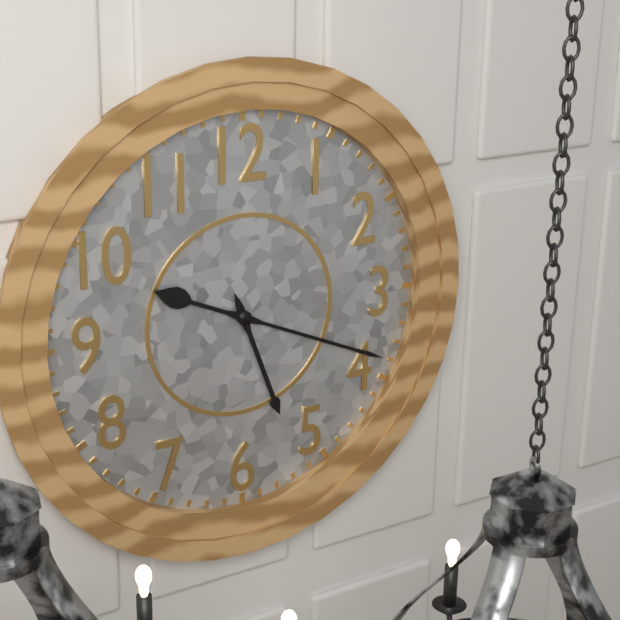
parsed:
5,19
